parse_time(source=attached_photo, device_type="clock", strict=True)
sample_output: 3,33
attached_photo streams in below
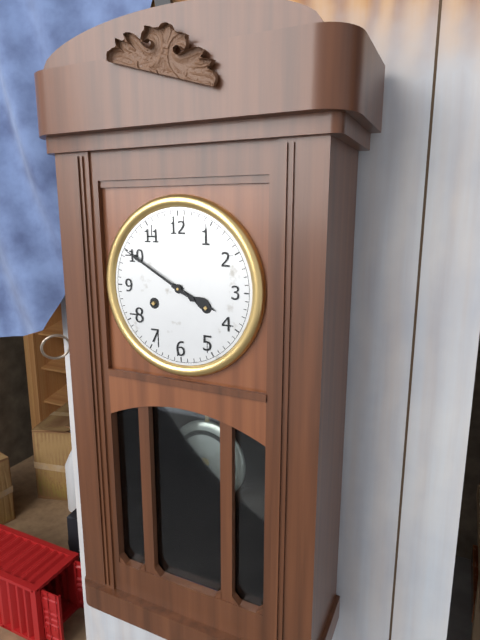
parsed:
3,50
